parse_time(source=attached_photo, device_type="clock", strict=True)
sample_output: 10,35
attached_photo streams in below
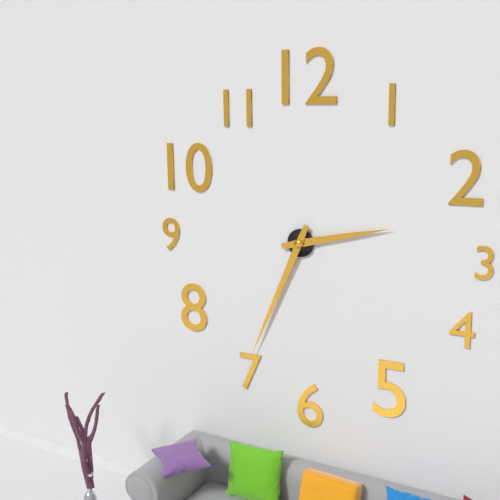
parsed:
2,34
